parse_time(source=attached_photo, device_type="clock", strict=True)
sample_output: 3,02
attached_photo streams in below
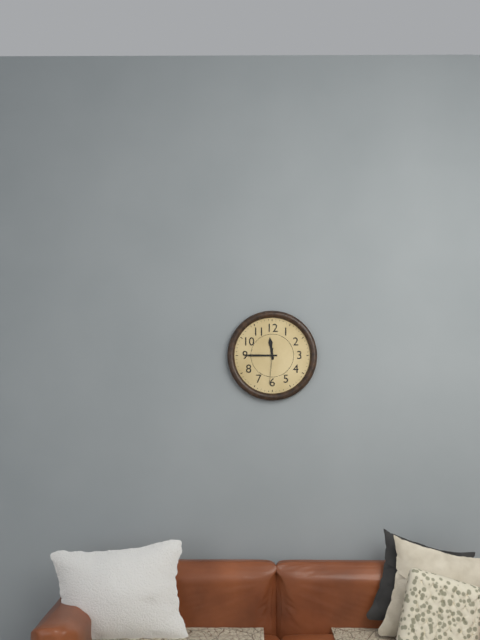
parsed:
11,45
